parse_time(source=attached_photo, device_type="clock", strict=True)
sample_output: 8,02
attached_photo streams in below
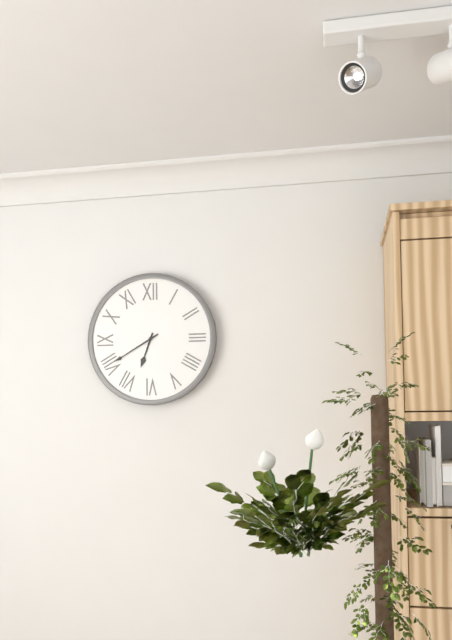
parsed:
6,40
